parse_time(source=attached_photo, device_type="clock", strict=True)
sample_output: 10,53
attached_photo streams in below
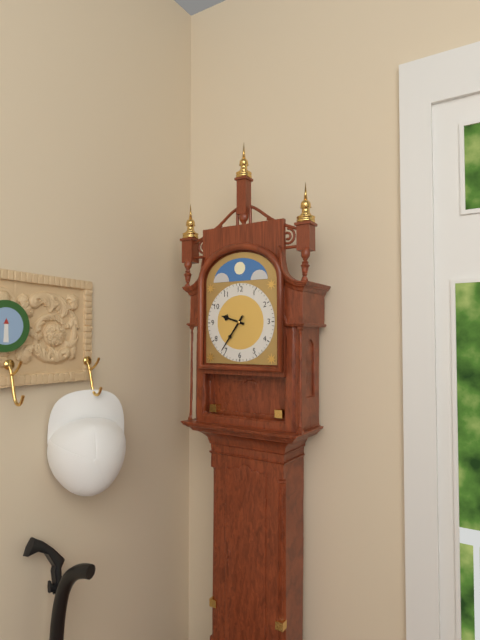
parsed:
9,36
